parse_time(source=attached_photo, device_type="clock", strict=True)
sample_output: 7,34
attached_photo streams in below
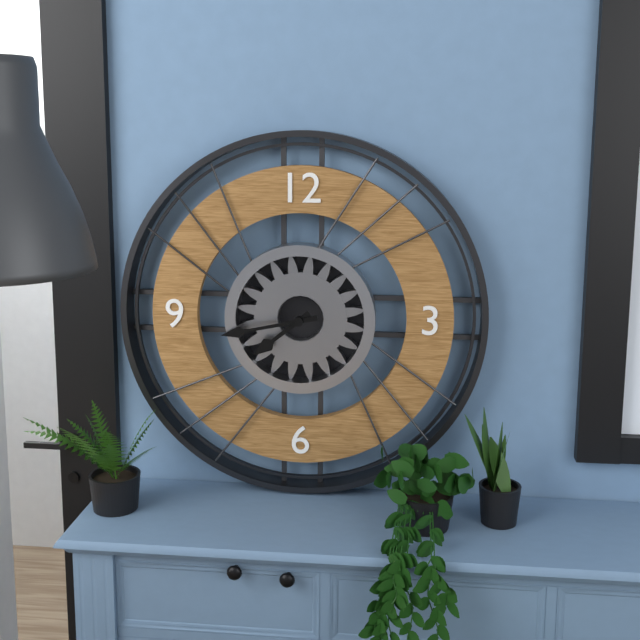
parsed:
7,43
